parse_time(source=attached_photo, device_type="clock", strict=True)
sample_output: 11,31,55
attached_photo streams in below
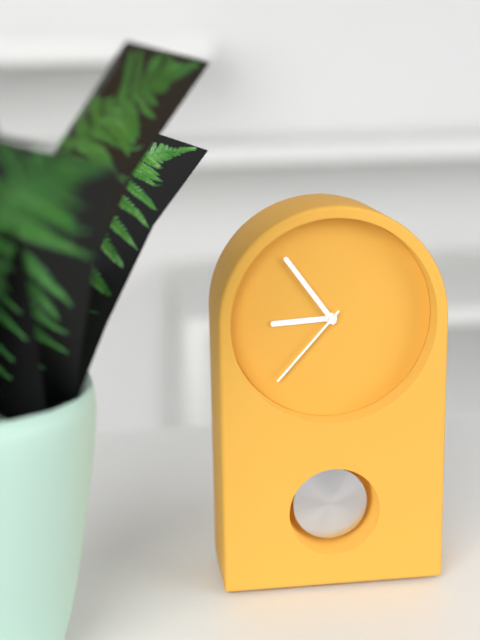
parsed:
8,54,37
